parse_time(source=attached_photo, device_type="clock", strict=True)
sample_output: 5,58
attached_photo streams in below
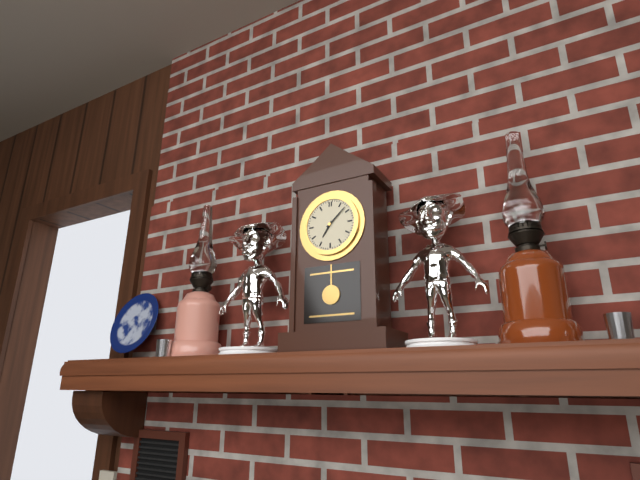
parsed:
7,08
